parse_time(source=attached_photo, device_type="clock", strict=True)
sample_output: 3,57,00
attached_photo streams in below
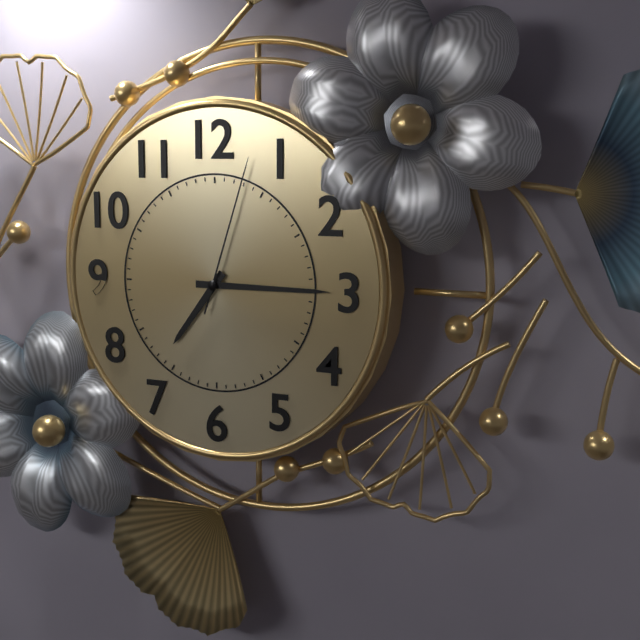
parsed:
7,15,03
